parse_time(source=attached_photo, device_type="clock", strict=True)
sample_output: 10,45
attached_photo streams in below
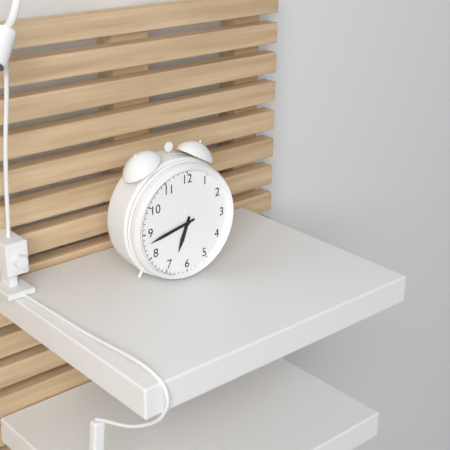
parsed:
6,43
